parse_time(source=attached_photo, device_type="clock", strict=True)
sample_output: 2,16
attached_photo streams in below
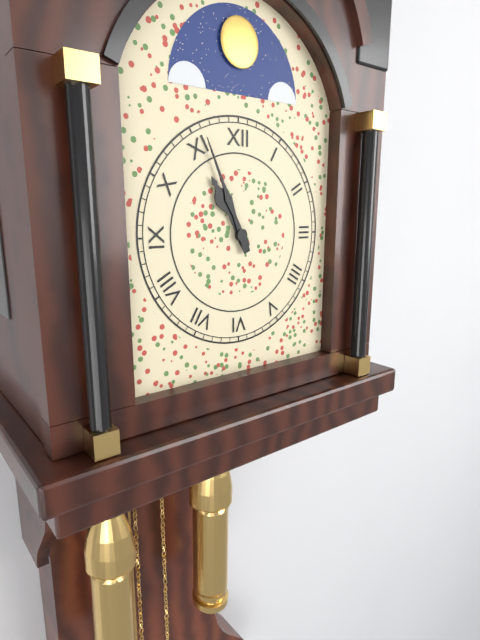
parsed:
10,56
